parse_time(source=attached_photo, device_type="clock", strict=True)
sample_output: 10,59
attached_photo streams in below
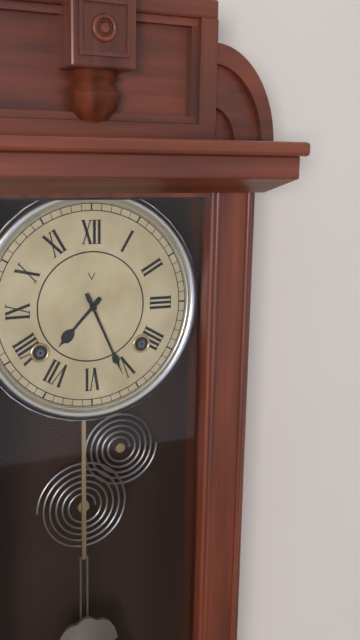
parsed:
7,26
